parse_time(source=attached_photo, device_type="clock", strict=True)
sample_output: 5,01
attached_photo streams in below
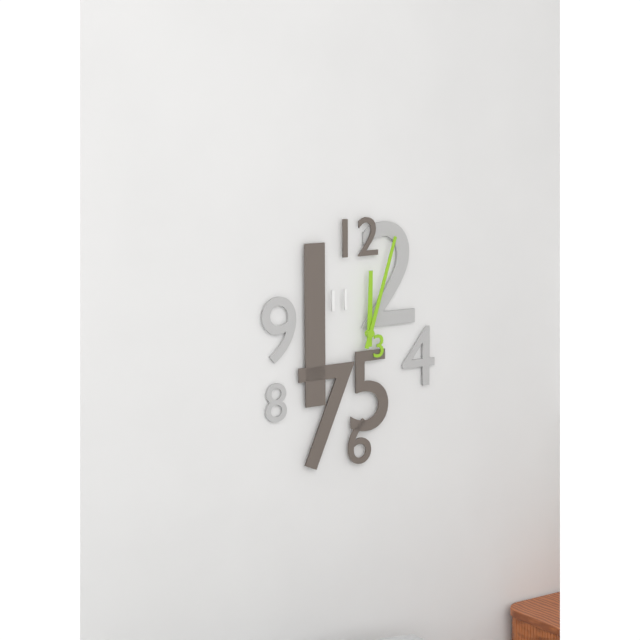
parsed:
12,03
